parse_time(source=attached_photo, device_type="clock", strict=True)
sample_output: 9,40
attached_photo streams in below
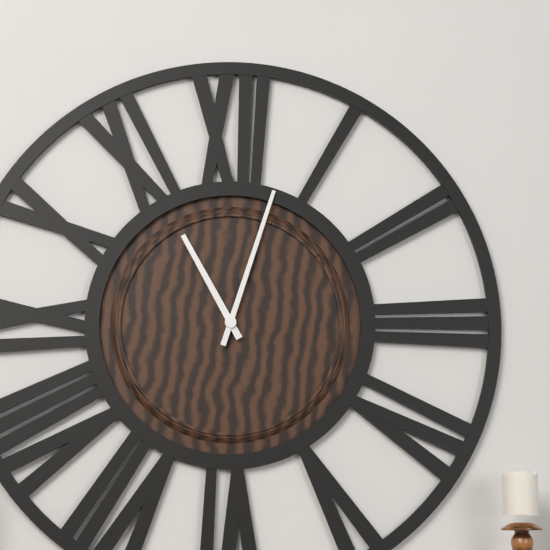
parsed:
11,03
